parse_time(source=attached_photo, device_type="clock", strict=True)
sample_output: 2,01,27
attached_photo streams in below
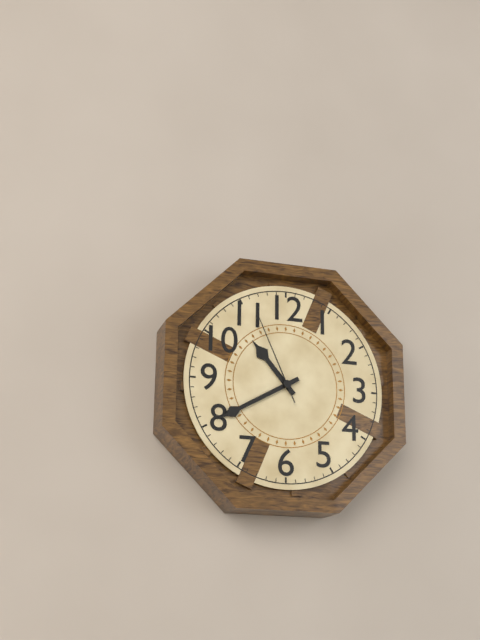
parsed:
10,40,56
